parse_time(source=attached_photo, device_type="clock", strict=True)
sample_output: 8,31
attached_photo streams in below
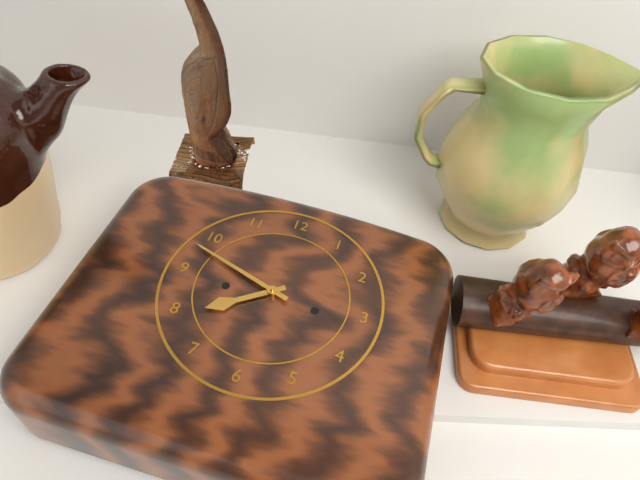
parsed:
7,48
